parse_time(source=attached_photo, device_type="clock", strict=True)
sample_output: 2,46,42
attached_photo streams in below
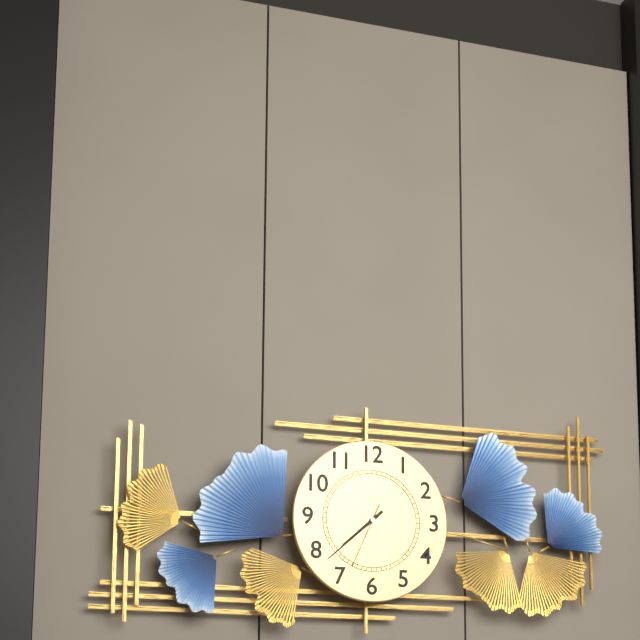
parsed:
7,38,34
